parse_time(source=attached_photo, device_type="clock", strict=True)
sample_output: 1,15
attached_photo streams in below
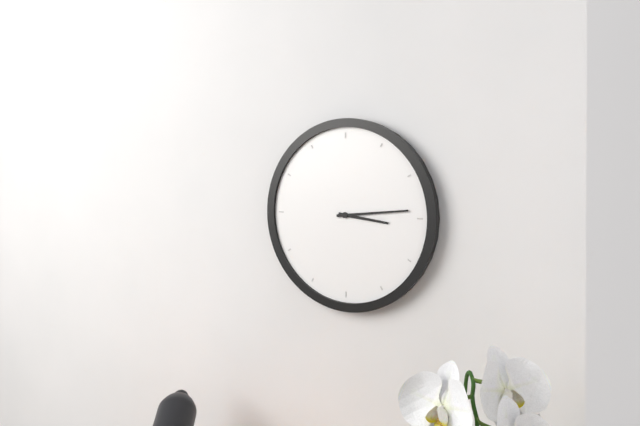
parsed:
3,14
